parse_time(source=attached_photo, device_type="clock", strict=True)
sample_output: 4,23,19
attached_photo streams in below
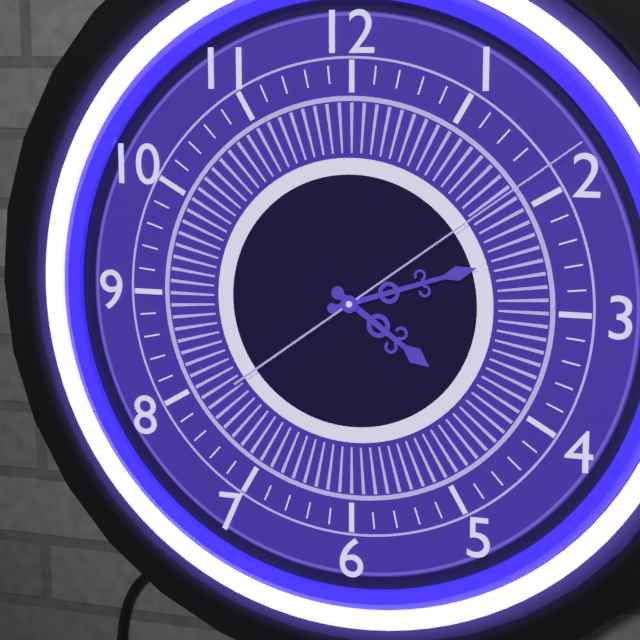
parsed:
4,12,09
